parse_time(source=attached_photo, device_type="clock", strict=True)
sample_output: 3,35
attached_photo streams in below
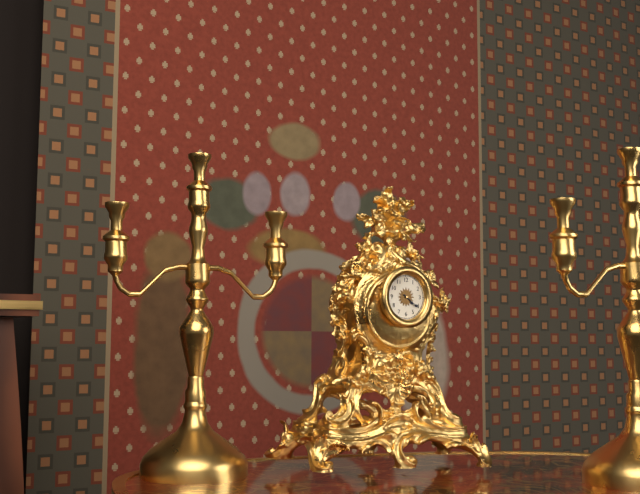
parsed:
4,21
